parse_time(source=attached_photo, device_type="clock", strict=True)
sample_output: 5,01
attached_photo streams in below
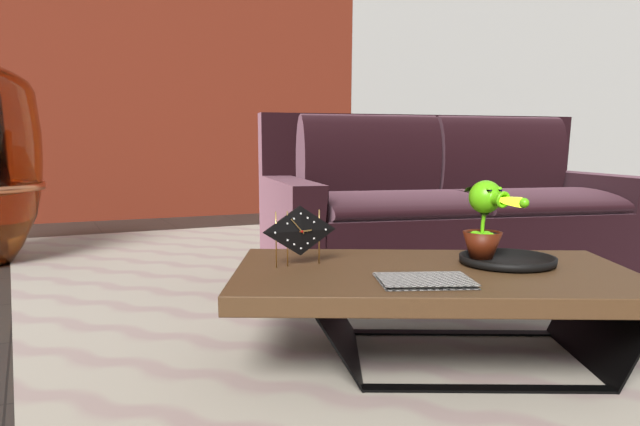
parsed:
2,53
